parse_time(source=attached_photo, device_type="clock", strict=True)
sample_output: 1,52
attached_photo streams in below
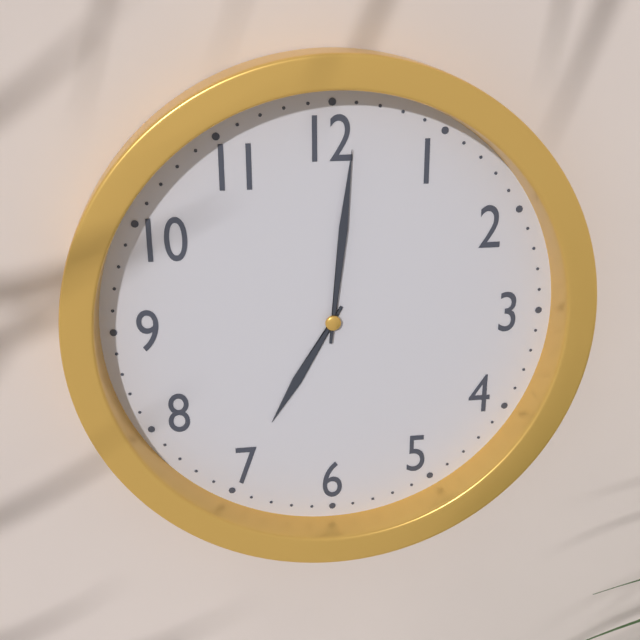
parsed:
7,01
